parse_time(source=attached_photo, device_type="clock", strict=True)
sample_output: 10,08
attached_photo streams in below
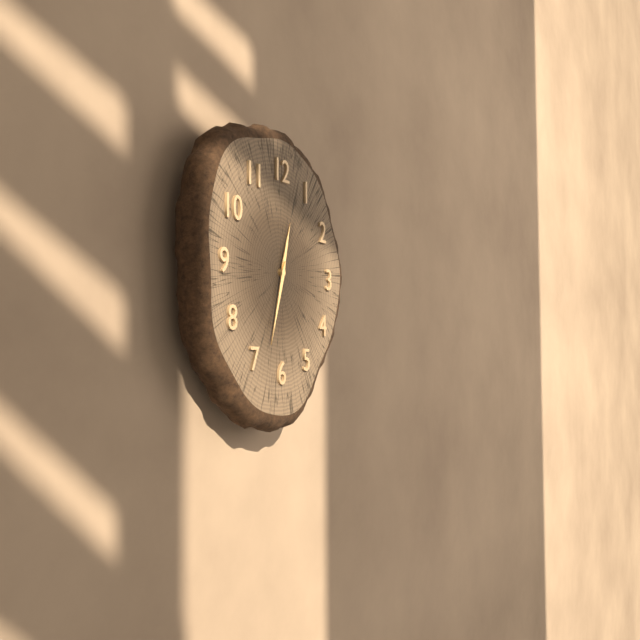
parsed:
12,33
